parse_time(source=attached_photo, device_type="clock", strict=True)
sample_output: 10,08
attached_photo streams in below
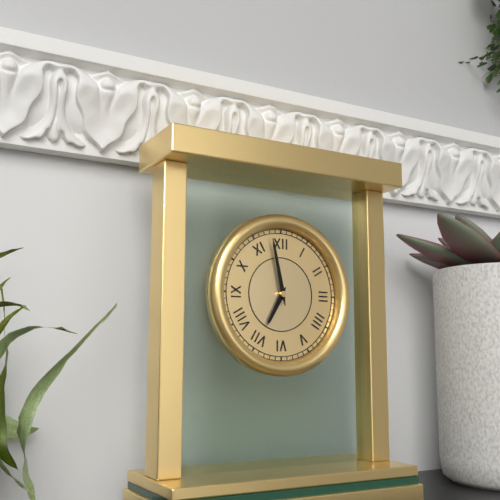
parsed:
6,58
